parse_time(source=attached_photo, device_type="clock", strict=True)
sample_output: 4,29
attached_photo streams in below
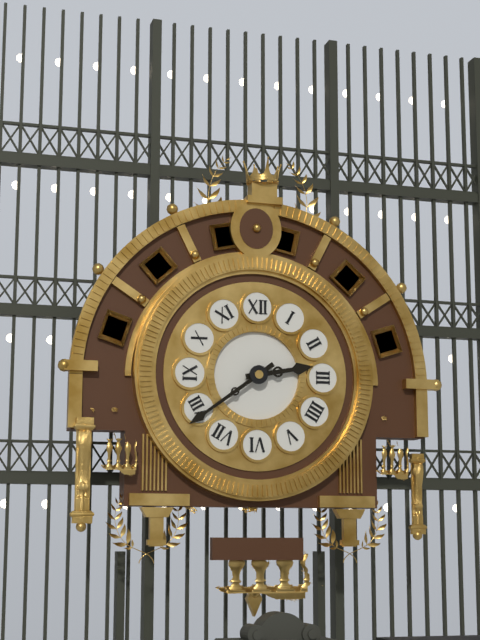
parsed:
2,39
